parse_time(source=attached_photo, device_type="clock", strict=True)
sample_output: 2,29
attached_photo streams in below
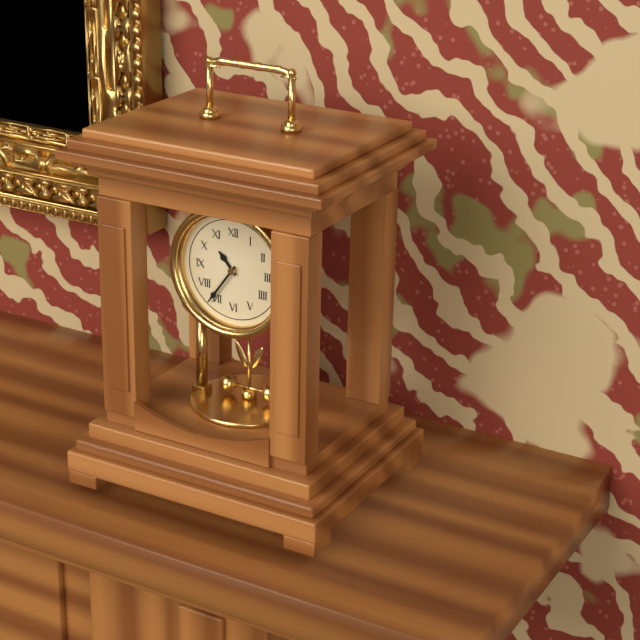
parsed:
10,36
